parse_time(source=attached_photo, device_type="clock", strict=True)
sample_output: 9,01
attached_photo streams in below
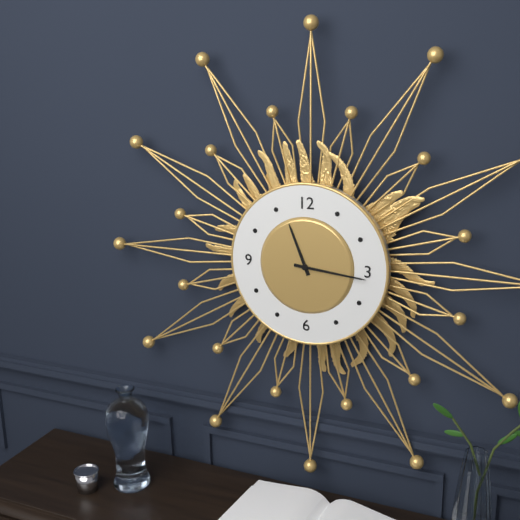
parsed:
11,16
